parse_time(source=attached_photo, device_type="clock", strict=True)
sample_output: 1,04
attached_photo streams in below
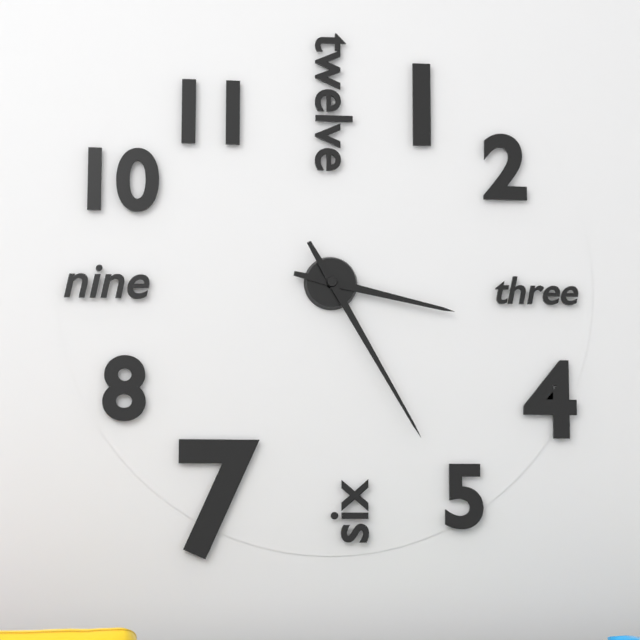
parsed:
3,25
